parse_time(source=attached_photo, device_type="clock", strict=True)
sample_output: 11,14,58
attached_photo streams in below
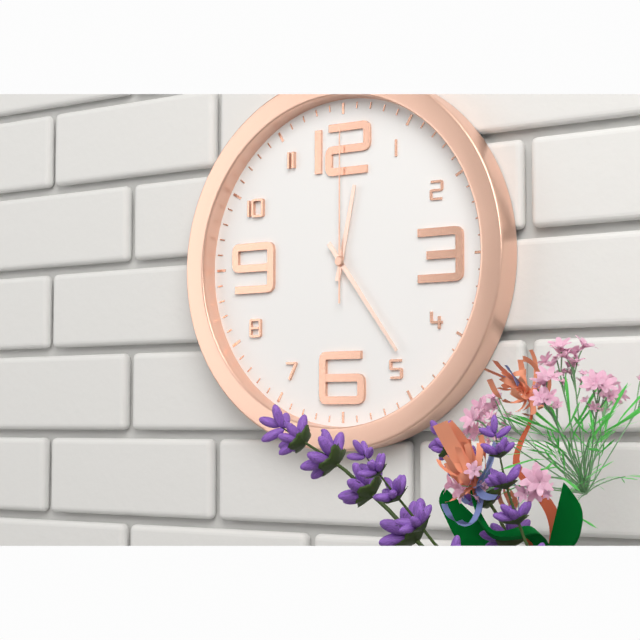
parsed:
12,24,00
